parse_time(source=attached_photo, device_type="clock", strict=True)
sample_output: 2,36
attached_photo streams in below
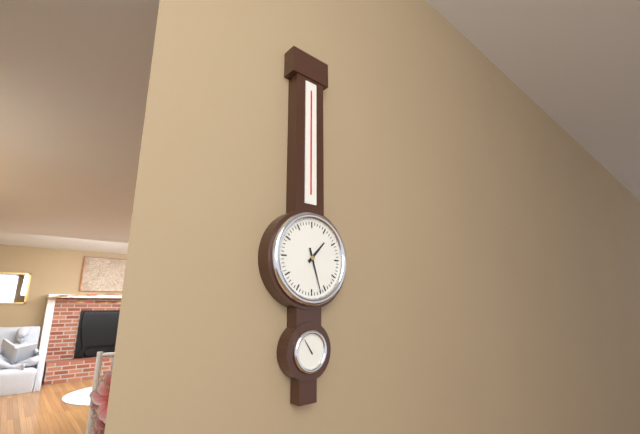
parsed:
1,27
